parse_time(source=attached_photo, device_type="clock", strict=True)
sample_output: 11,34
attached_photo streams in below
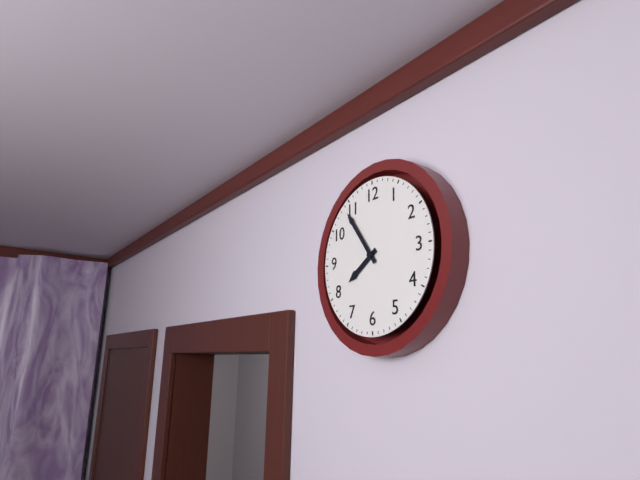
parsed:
7,54
